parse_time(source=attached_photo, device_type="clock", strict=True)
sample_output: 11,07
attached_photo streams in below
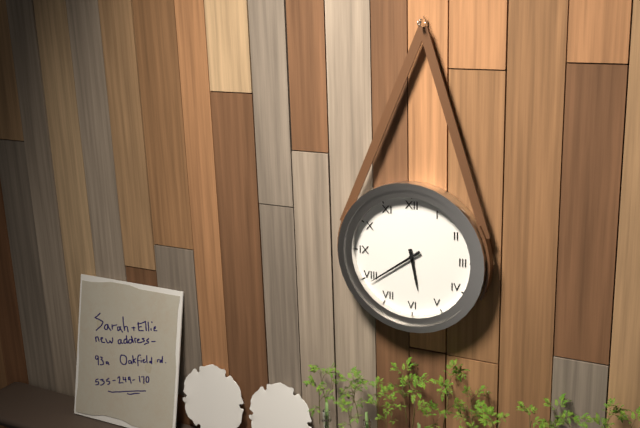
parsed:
5,39
